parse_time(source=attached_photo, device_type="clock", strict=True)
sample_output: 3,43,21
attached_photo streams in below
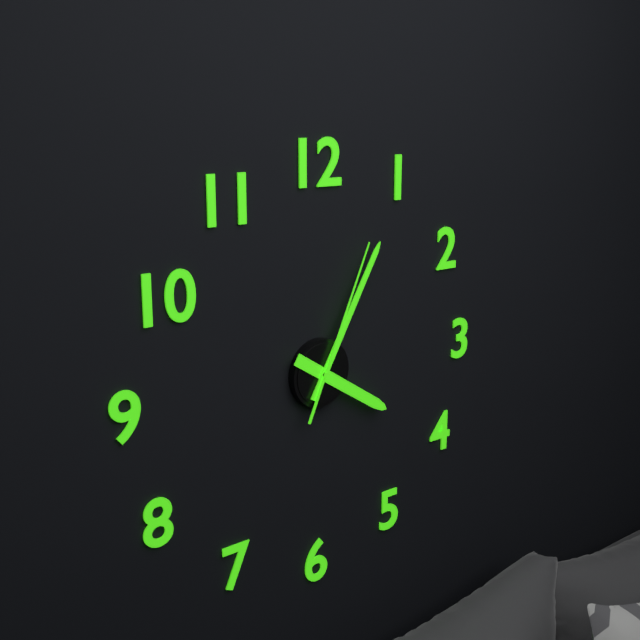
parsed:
4,05,04
